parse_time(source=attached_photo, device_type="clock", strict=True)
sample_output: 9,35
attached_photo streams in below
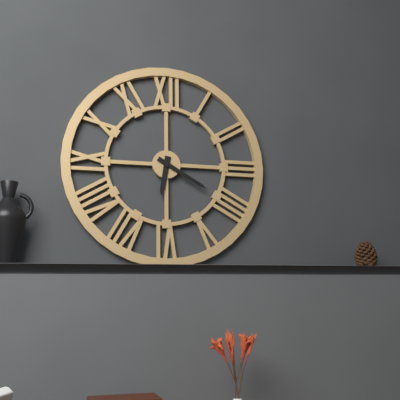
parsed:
6,20
